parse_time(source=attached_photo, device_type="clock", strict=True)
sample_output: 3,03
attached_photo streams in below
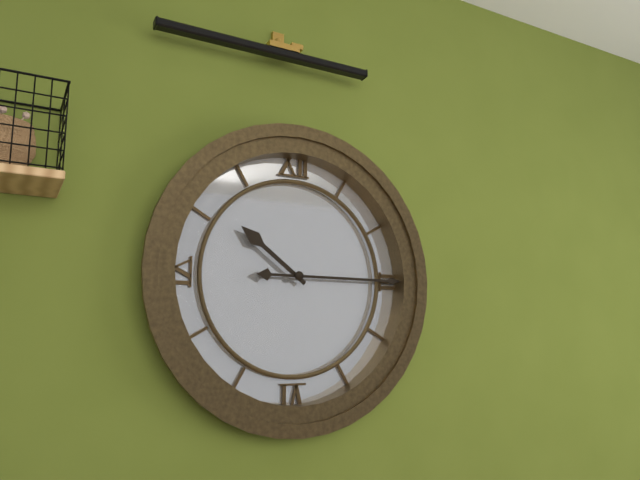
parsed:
10,15
